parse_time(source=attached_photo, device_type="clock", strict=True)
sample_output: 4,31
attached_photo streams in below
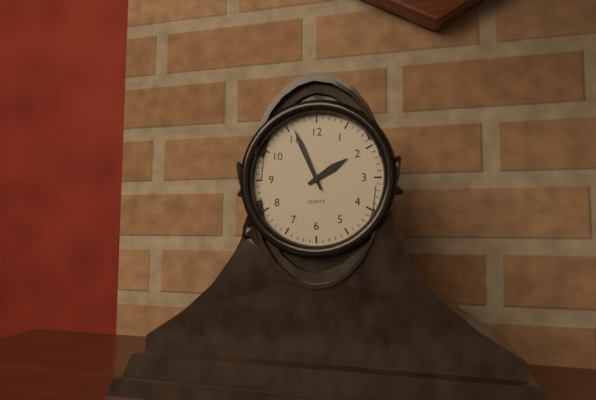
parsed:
1,56
